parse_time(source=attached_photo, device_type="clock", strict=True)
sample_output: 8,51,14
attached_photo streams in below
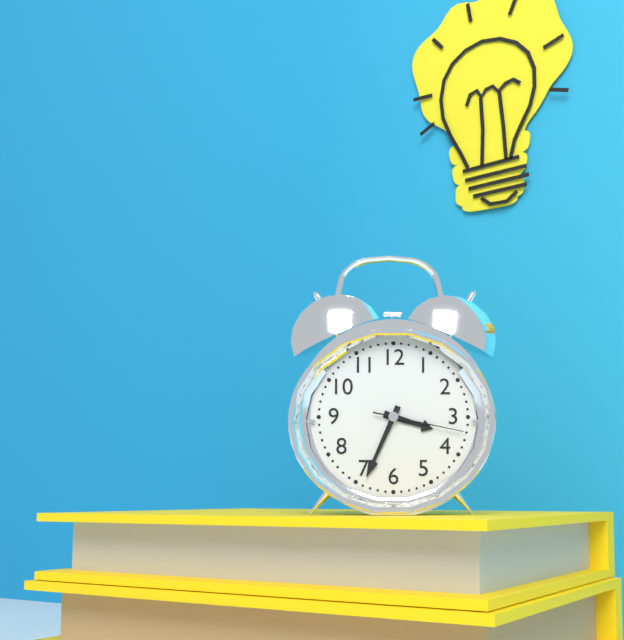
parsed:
3,34,17
